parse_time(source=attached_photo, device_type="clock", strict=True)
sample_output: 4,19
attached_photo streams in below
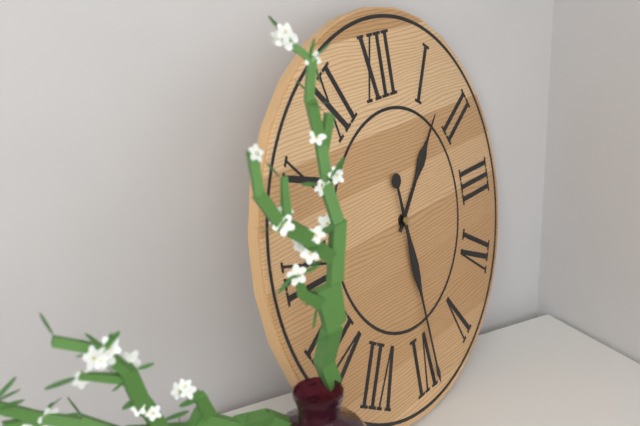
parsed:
1,29
